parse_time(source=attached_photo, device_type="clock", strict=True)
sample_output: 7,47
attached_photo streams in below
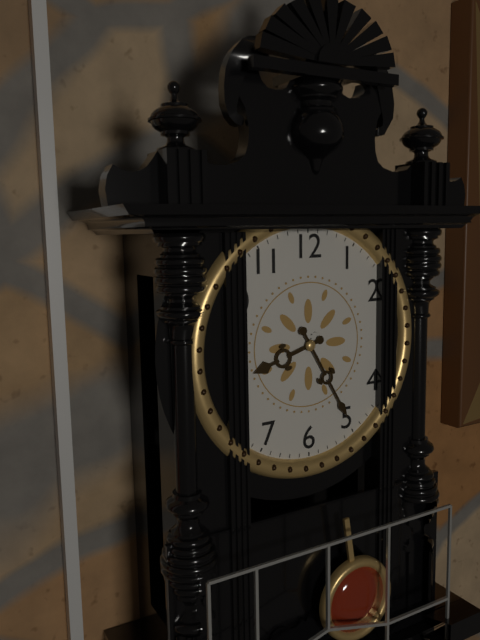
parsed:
8,25
